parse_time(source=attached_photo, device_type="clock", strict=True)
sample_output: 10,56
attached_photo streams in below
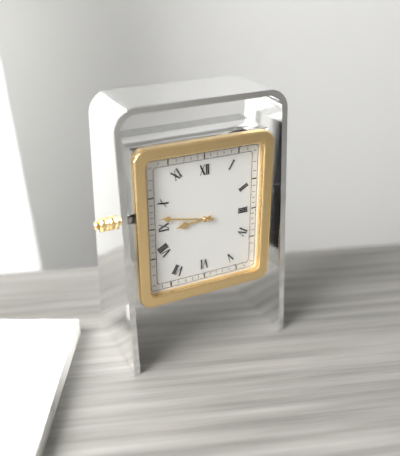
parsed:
8,47
